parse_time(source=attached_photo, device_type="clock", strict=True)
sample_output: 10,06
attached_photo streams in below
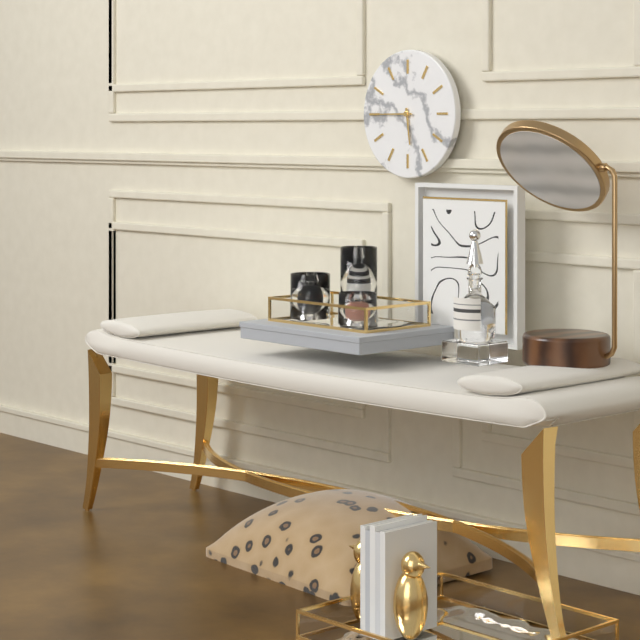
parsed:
5,45
